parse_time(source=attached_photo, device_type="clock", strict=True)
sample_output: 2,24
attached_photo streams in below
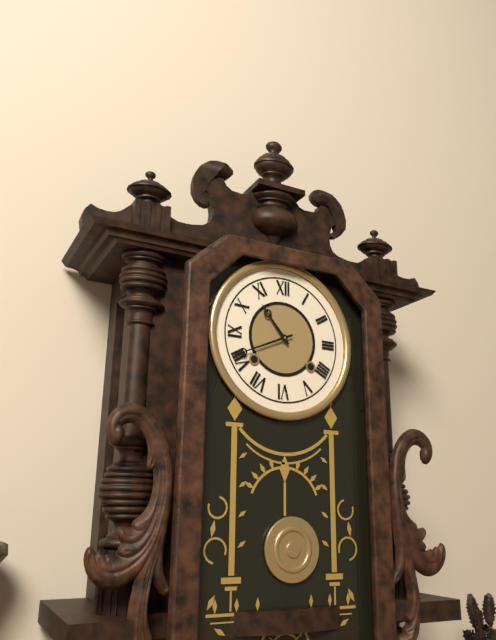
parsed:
10,41
